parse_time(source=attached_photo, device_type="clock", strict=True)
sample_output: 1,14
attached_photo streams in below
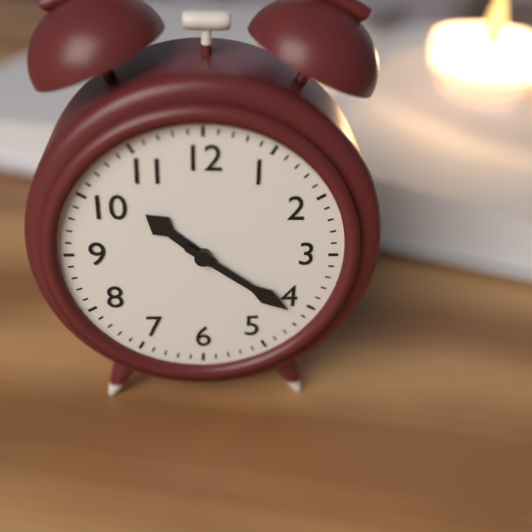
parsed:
10,21
